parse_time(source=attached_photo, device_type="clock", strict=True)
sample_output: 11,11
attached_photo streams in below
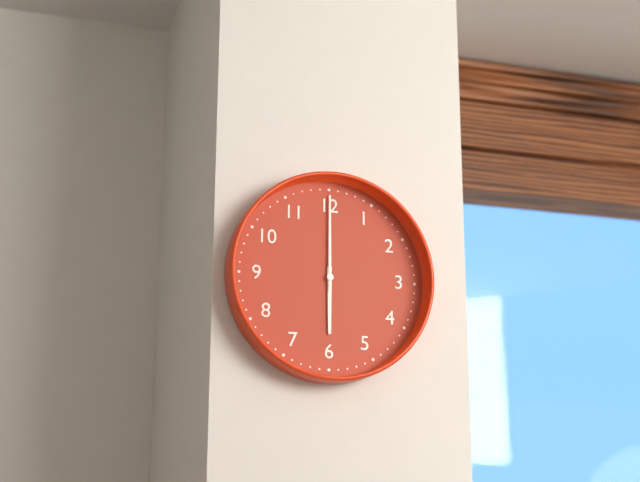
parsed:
6,00
